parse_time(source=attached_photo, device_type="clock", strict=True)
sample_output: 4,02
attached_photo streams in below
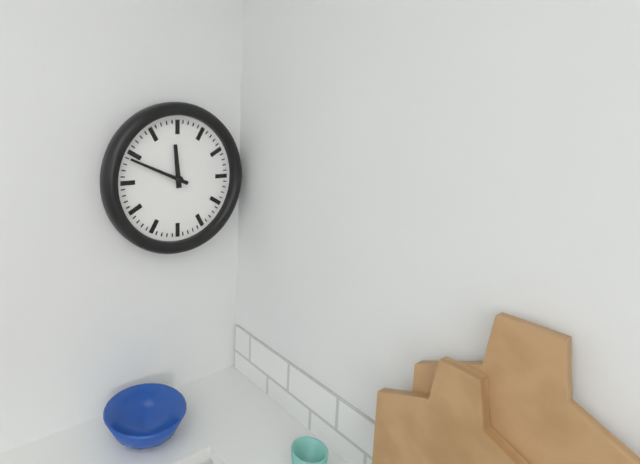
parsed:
11,49
